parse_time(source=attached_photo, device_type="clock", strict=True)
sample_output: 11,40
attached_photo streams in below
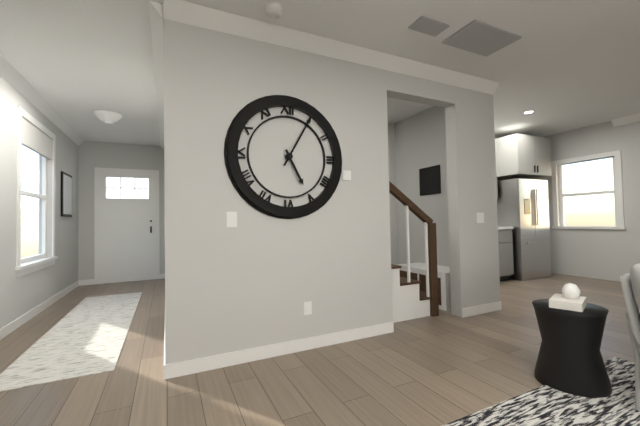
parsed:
5,05
